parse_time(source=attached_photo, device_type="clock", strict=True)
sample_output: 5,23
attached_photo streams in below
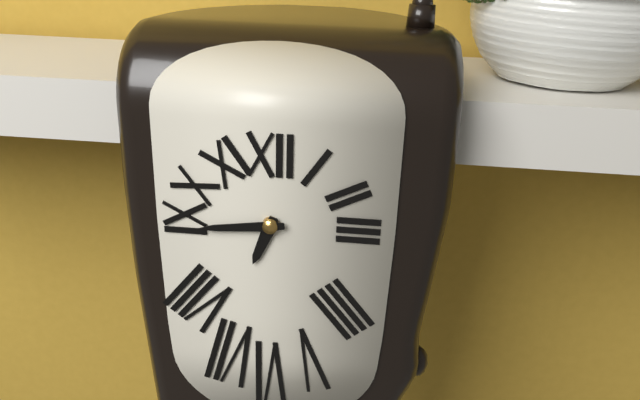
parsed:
6,44
